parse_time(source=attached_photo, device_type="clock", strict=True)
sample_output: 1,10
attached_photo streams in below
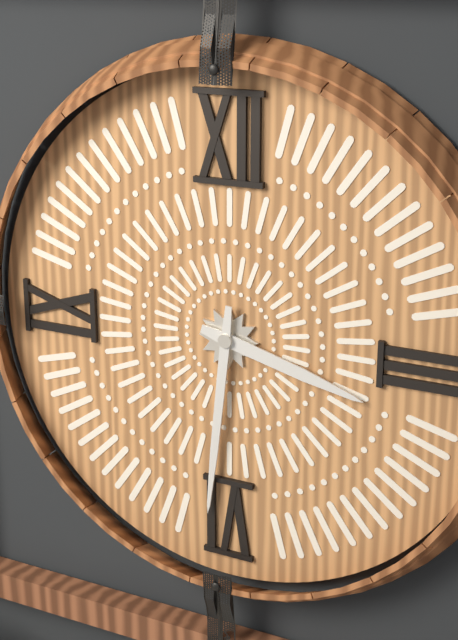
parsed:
3,31
